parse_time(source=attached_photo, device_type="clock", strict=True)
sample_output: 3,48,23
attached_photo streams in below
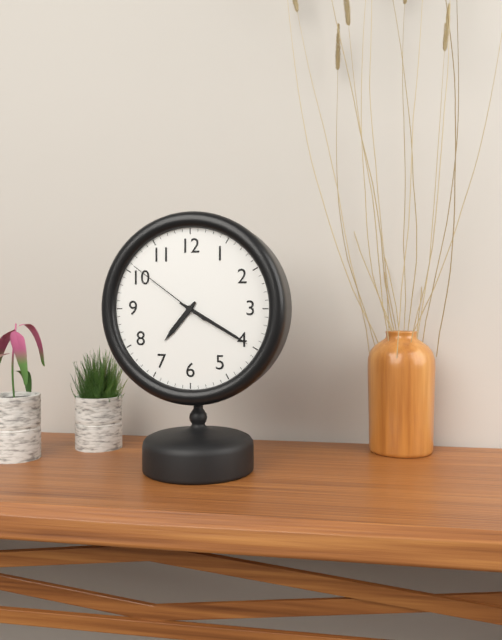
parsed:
7,20,51
